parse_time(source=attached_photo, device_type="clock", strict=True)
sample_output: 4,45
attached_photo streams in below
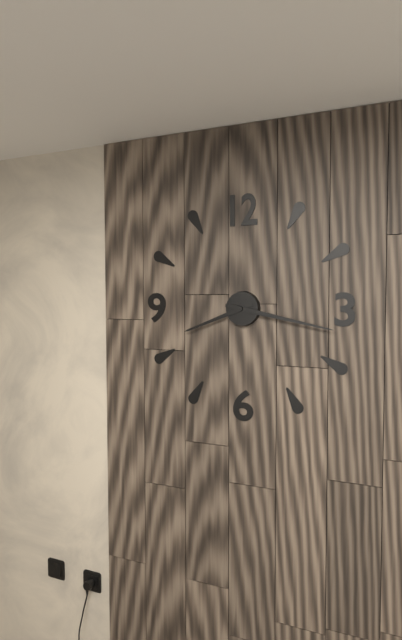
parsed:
8,17
